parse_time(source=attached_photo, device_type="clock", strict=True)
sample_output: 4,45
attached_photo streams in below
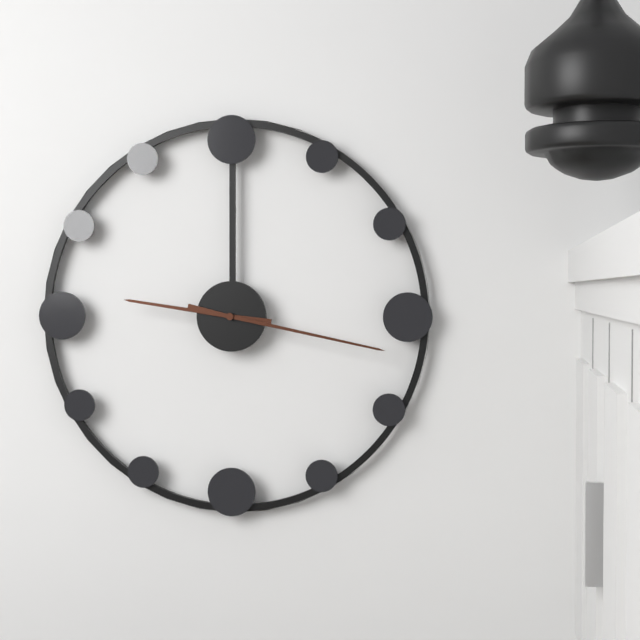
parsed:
9,17
